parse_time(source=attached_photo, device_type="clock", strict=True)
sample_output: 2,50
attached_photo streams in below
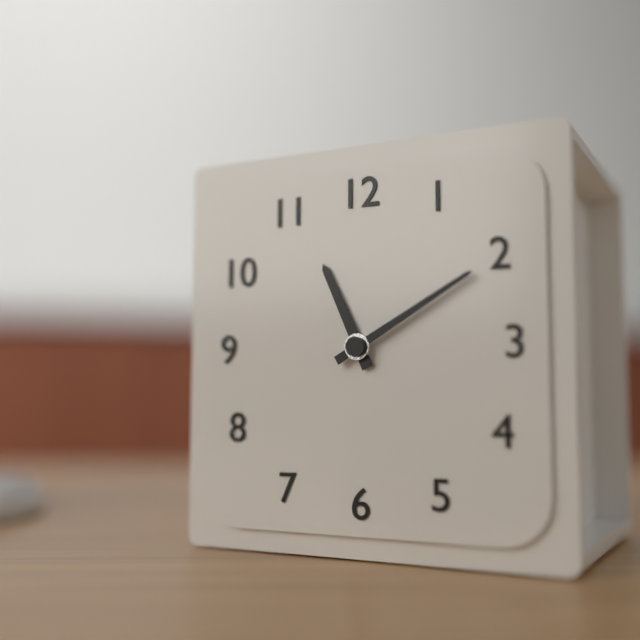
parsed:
11,10
